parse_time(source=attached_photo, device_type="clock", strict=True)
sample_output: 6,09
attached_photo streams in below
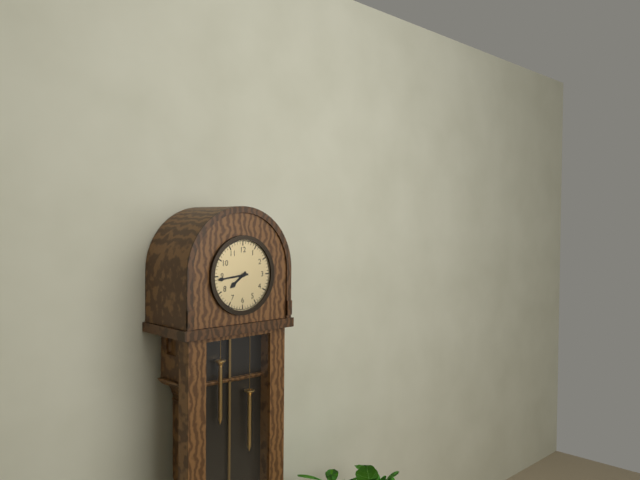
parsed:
7,44
